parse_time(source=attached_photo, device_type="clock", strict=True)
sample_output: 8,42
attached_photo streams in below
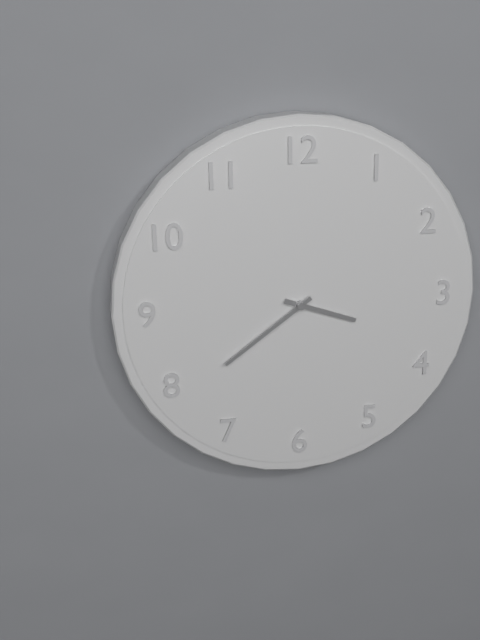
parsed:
3,39
